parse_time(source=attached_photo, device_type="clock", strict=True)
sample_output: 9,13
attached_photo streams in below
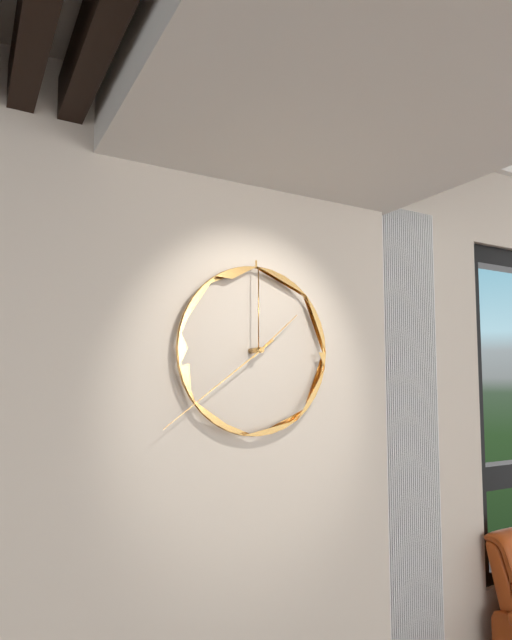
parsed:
1,39
